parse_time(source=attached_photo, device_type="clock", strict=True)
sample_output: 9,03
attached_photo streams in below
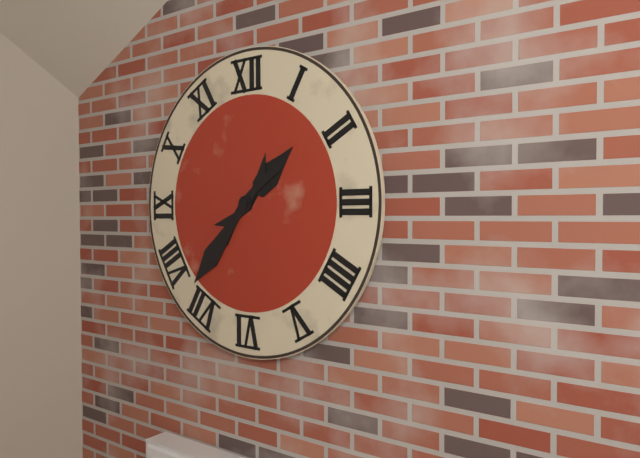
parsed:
1,37
